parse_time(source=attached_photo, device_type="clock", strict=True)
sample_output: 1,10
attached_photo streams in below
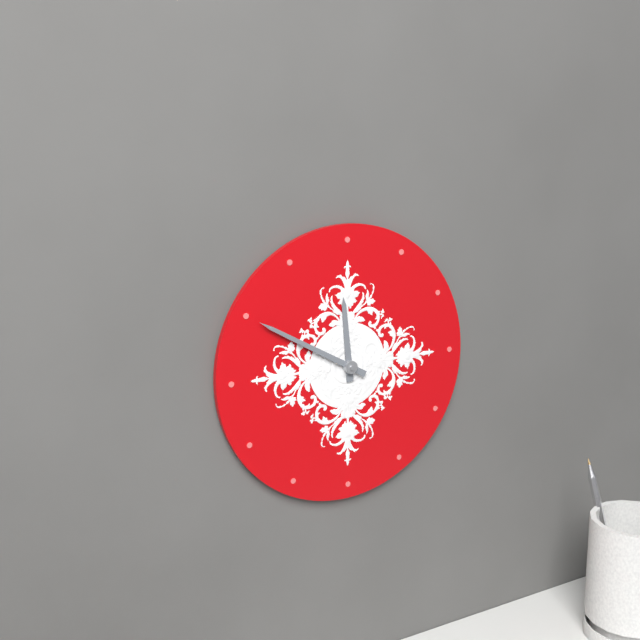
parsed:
11,50
